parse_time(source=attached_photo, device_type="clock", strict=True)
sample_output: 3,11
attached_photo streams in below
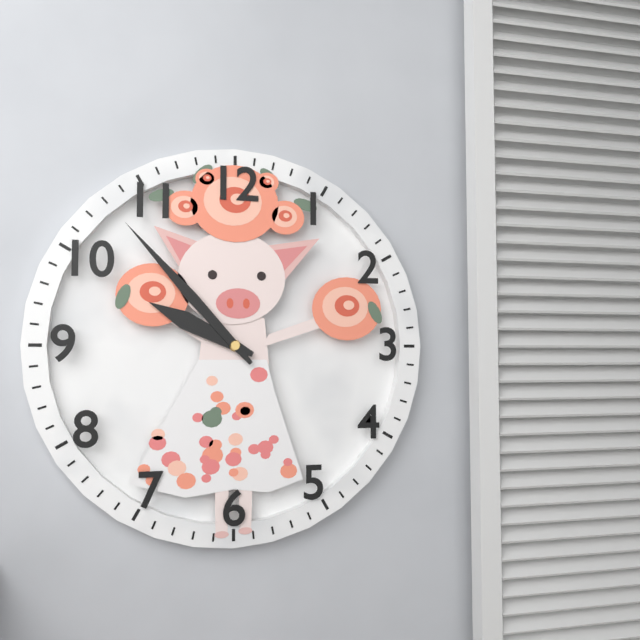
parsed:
9,53
